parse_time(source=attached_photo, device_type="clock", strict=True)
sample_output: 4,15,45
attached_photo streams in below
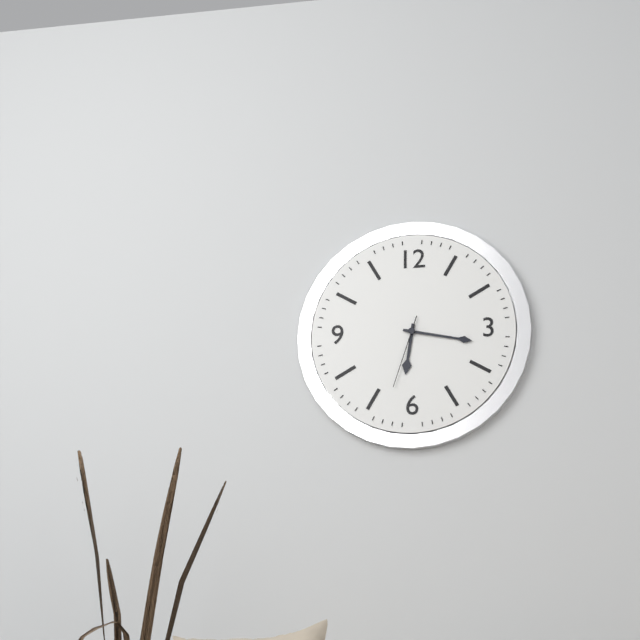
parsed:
6,17,33
